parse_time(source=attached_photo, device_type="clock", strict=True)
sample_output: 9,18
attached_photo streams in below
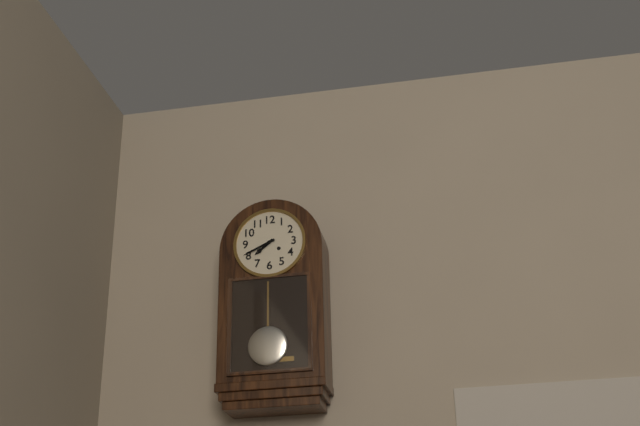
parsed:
7,41
